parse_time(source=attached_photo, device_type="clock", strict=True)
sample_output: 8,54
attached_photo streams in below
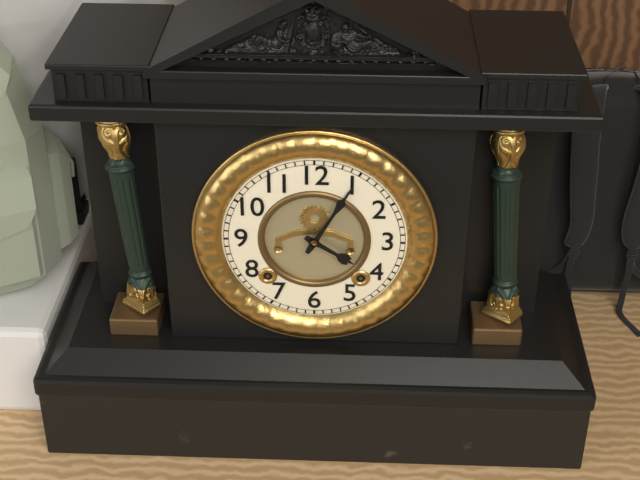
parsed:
4,05
